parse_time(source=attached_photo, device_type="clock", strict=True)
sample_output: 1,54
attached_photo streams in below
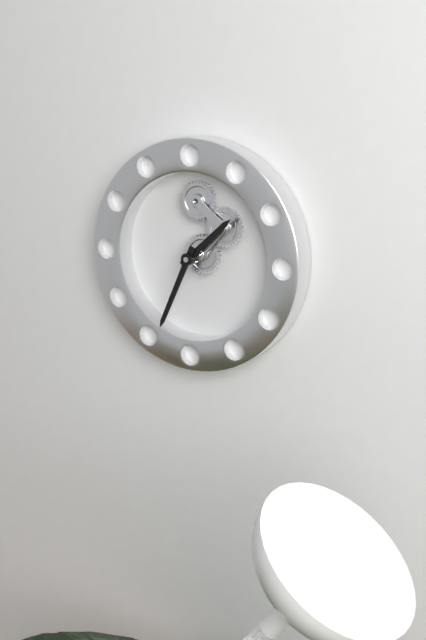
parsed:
1,34
